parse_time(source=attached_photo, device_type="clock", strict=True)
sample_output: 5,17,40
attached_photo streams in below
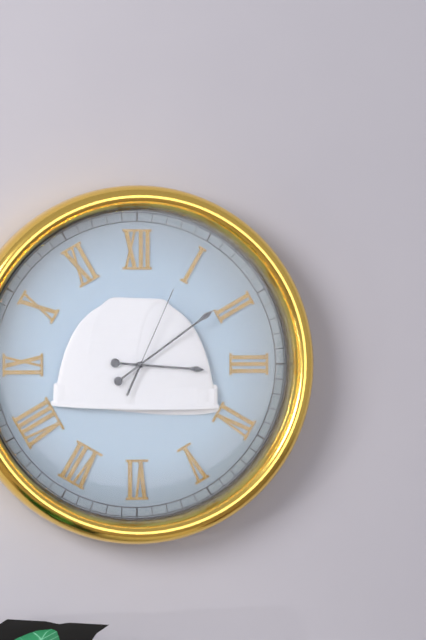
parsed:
3,09,04
